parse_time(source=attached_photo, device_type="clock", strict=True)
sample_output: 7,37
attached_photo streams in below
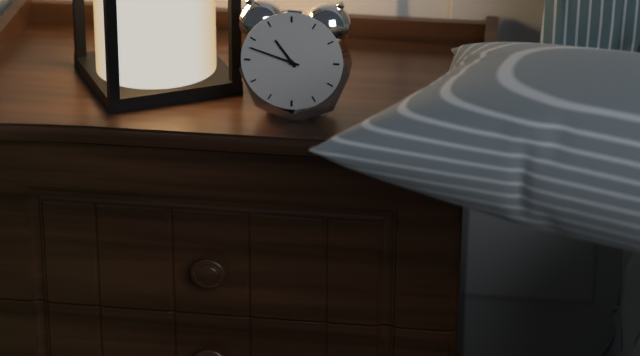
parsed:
10,48
